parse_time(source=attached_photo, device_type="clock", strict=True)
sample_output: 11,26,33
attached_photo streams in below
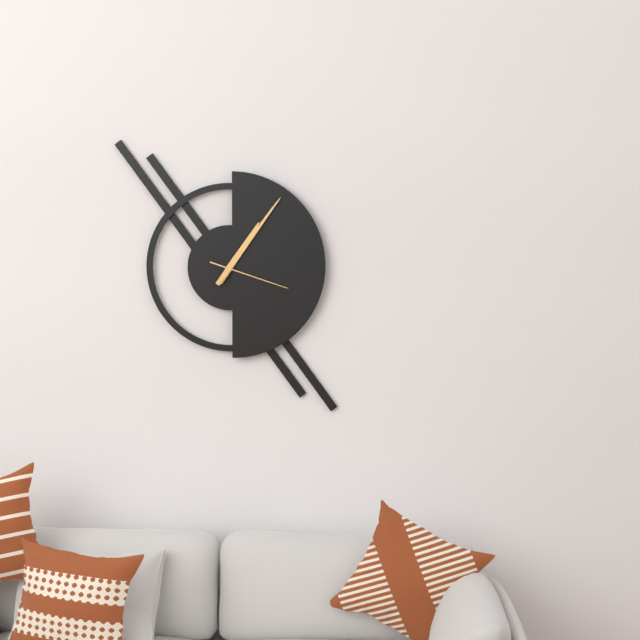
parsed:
1,06,18
